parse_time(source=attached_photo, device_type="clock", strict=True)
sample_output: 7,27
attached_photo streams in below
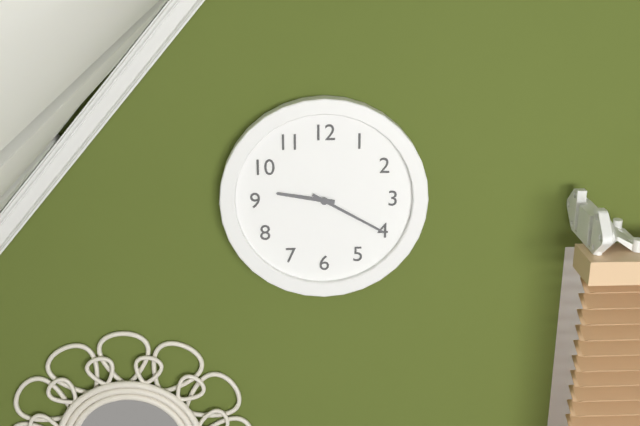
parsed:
9,20
